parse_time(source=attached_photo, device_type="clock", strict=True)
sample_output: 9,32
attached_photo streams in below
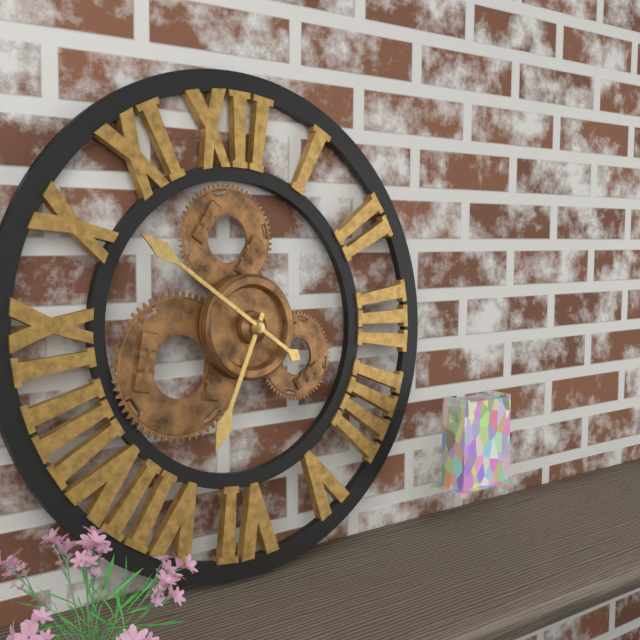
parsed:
6,51
